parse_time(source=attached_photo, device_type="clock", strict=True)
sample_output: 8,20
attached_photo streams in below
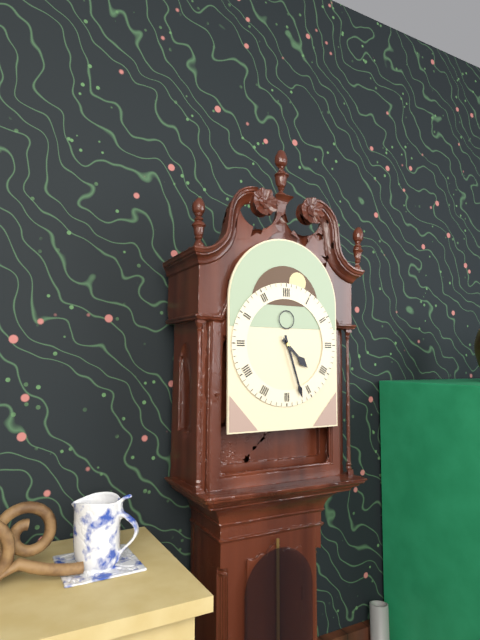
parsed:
4,27
